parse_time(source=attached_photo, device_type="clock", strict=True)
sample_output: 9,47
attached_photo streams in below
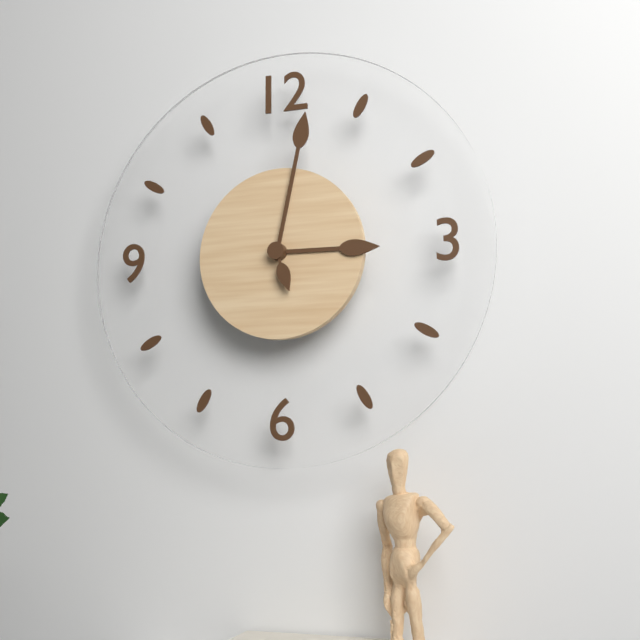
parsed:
3,02
